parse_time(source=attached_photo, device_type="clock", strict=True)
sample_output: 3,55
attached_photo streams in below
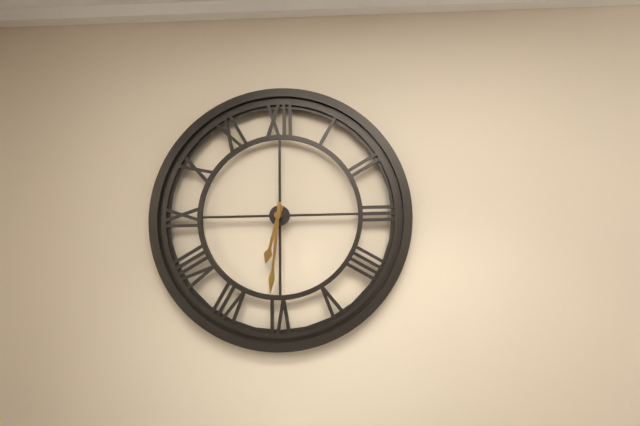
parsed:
6,31
